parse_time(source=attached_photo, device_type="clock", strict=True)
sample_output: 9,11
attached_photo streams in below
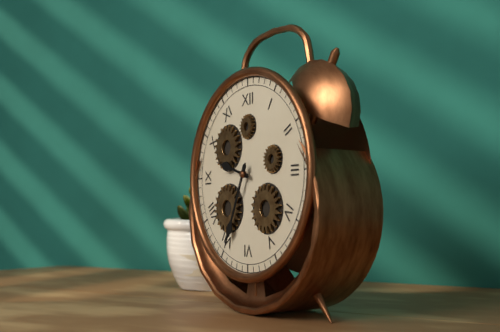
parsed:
9,34
